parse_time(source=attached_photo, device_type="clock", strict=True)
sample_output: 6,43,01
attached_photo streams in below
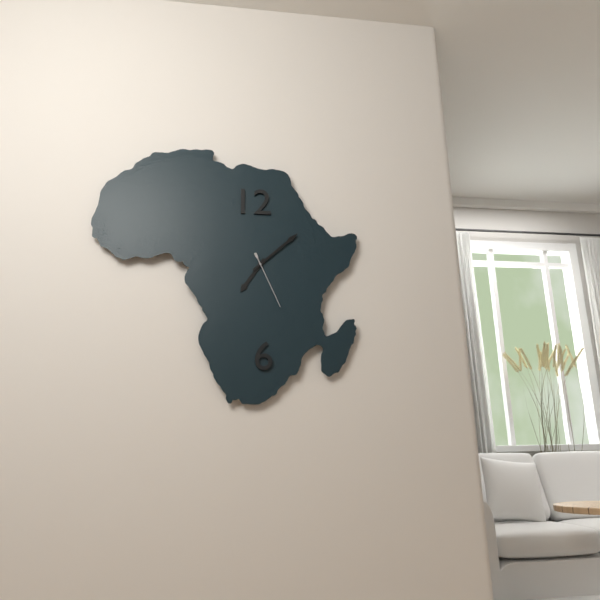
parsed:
7,08,26
